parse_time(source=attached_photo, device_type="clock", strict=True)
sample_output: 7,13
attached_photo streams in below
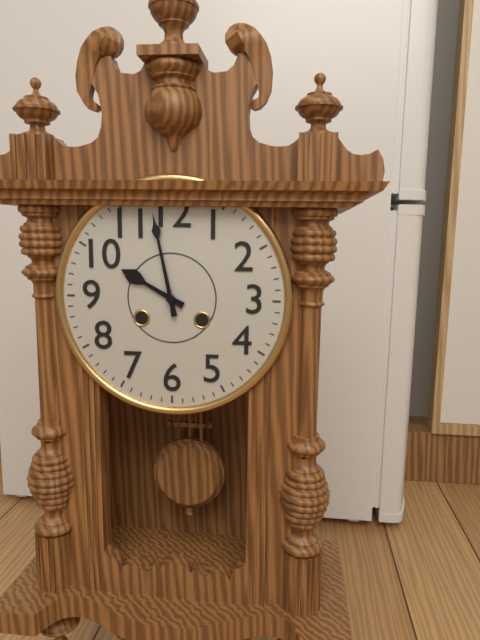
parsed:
9,58
